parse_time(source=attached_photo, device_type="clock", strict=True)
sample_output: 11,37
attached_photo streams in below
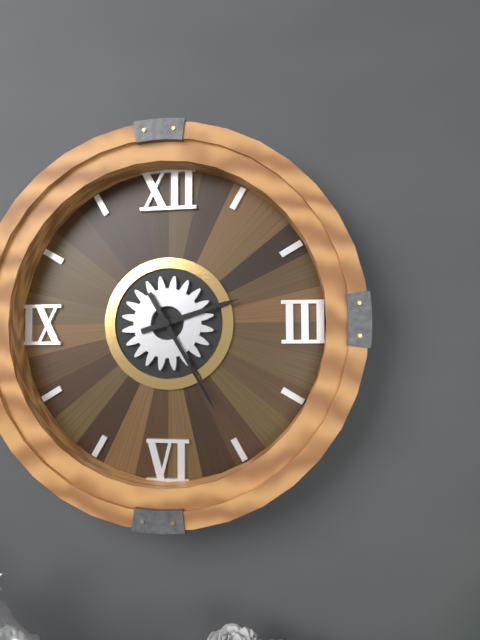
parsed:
2,25
